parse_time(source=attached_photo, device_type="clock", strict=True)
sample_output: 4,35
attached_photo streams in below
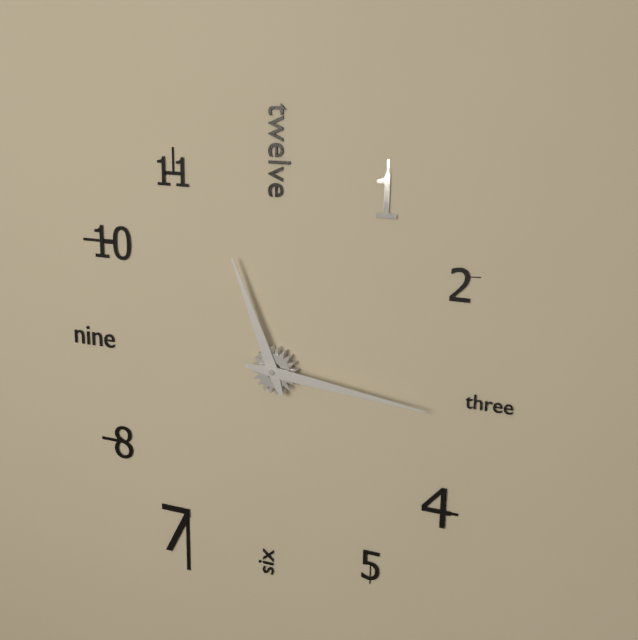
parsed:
11,16
